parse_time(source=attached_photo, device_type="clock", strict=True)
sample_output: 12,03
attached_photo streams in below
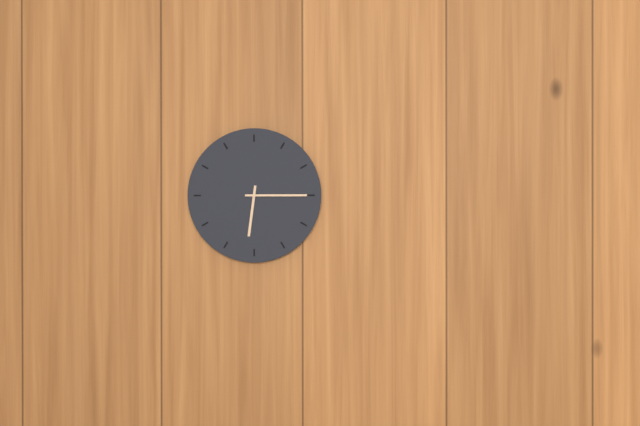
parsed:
6,15
